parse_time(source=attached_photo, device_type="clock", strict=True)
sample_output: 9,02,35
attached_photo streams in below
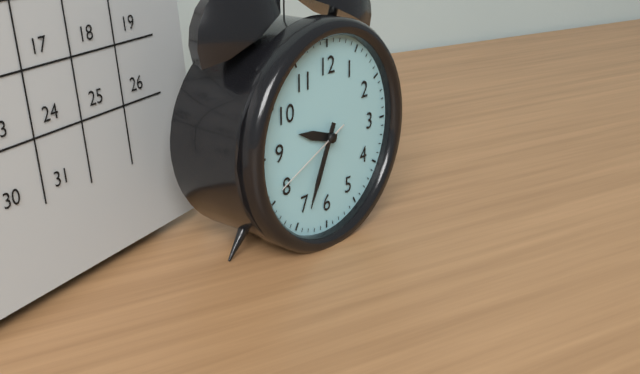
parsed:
9,34,41
